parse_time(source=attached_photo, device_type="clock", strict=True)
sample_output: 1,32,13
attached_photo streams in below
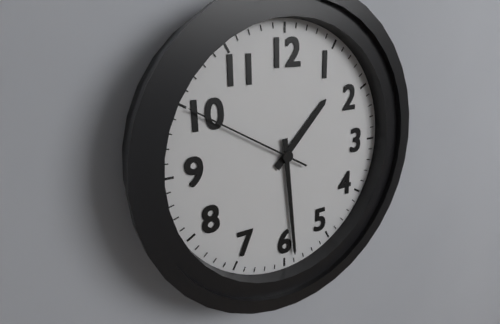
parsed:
1,29,50
